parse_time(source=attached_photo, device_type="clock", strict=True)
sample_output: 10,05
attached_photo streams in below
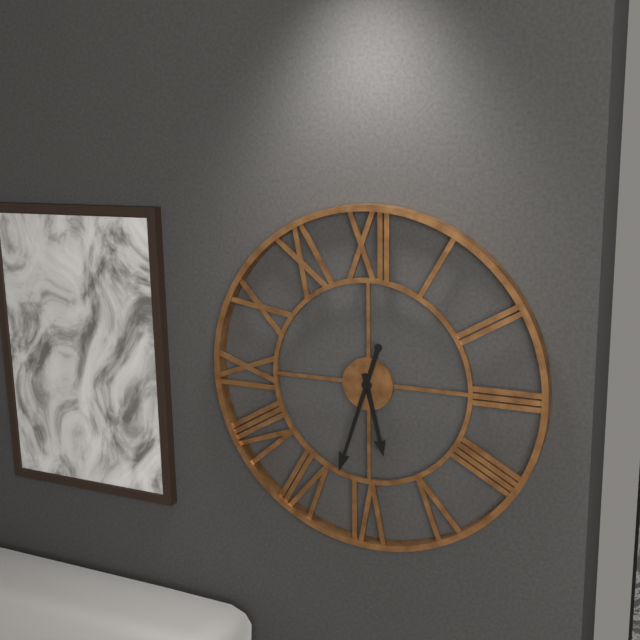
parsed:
5,33
